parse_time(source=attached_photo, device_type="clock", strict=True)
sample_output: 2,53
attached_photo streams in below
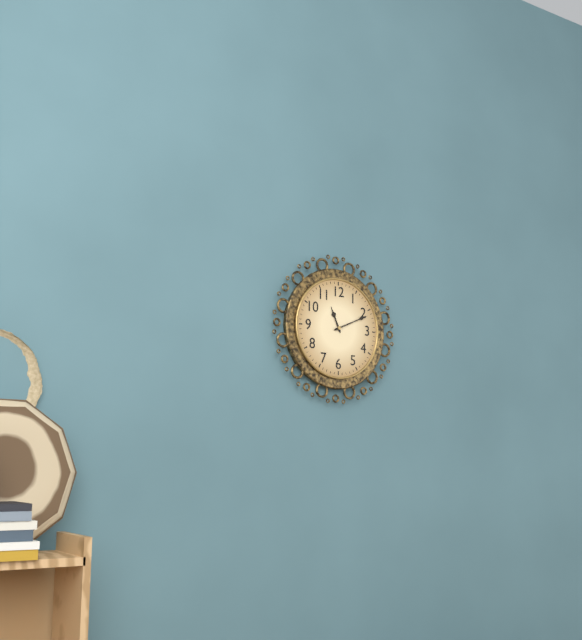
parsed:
11,11
